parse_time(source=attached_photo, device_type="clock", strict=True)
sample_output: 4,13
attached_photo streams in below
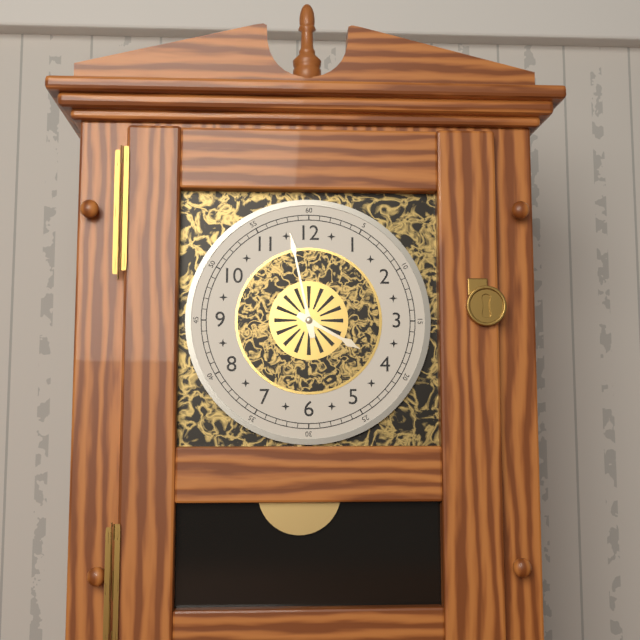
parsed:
3,58
